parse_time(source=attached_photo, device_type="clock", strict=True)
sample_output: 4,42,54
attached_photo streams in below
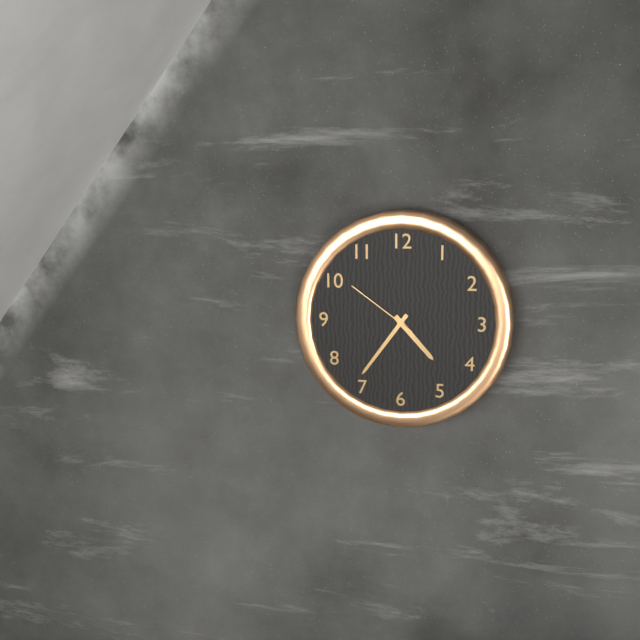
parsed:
4,36,51
